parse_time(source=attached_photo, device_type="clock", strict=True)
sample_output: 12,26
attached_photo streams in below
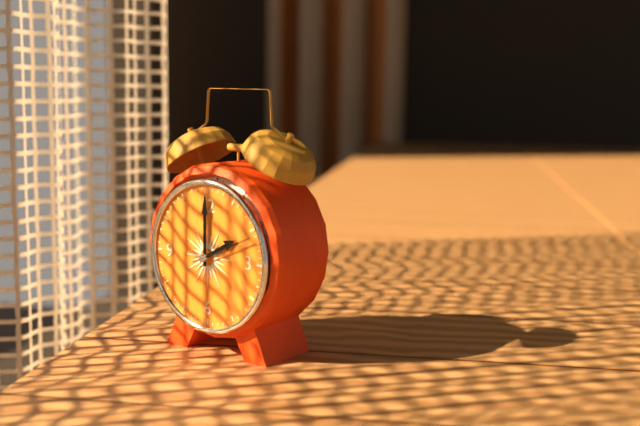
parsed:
2,00
